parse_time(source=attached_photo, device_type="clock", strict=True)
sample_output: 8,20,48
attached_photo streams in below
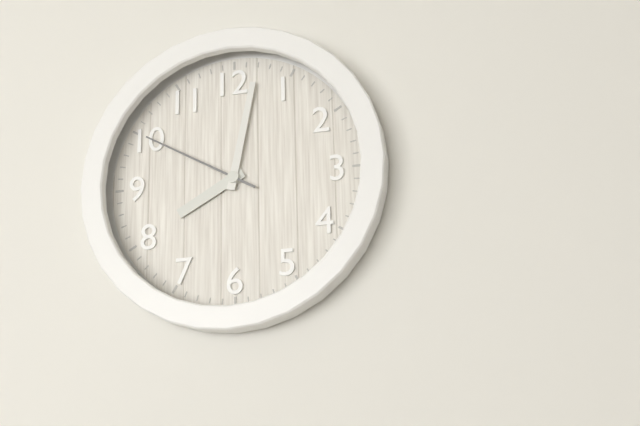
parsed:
8,02,50
